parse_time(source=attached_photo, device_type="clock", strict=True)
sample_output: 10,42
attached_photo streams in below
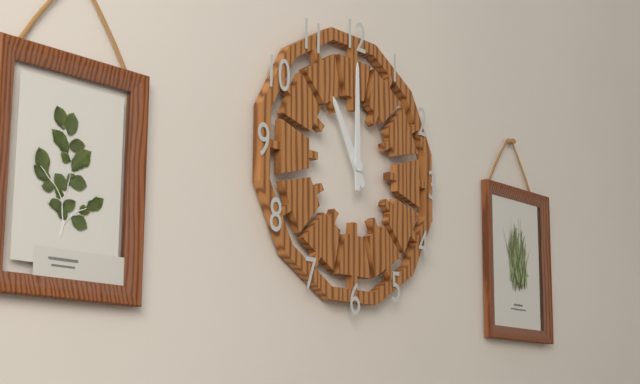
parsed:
11,00
